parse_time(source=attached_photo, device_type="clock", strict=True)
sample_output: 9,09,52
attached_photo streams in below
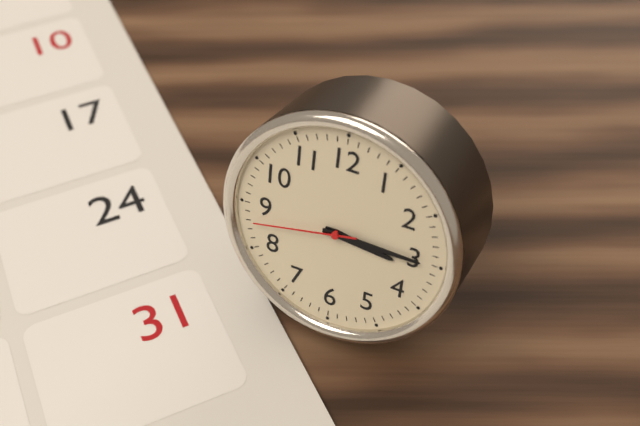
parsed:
3,15,43
